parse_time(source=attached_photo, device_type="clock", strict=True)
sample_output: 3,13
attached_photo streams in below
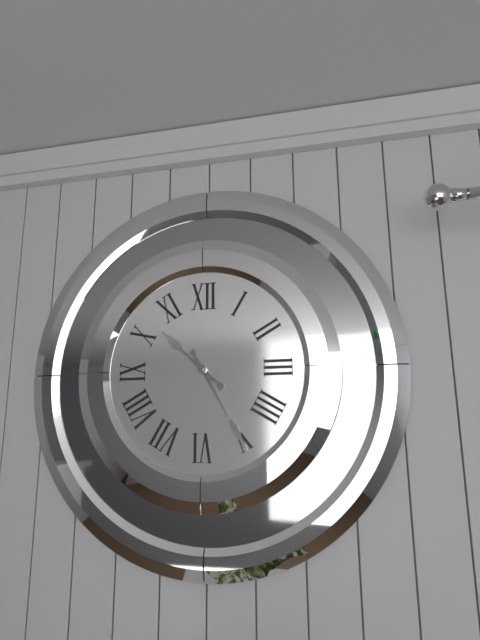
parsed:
10,25
